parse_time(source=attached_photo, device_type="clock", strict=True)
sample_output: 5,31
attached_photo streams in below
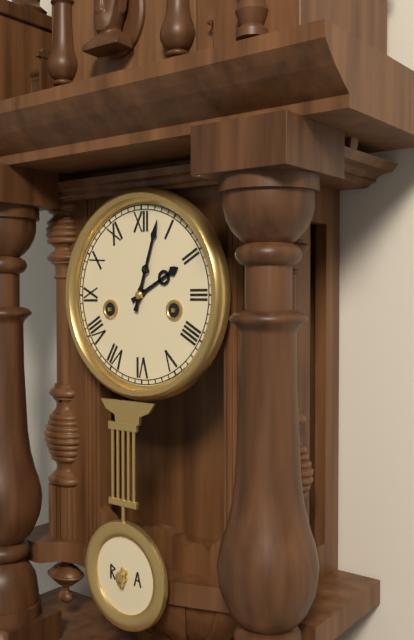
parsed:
2,03
